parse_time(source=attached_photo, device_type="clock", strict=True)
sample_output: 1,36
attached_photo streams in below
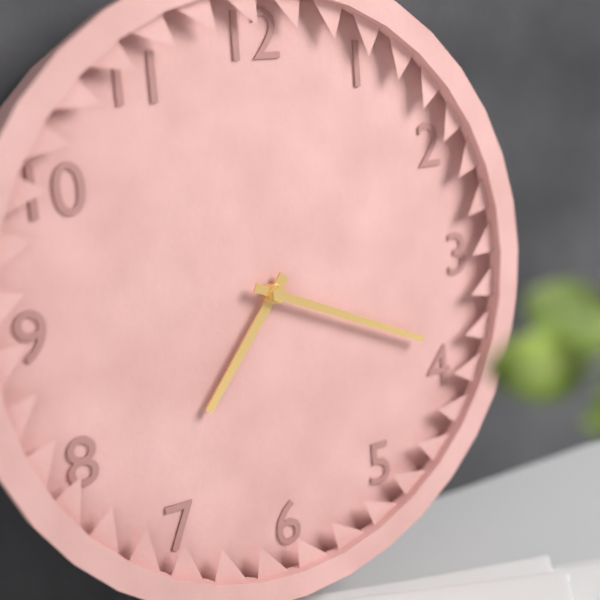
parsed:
7,19
